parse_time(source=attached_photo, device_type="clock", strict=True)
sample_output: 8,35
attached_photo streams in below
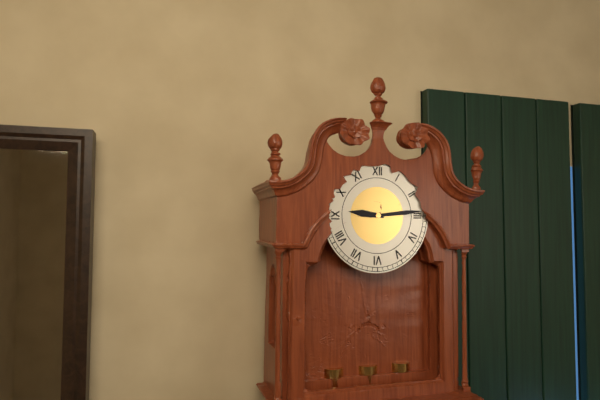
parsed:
9,14
